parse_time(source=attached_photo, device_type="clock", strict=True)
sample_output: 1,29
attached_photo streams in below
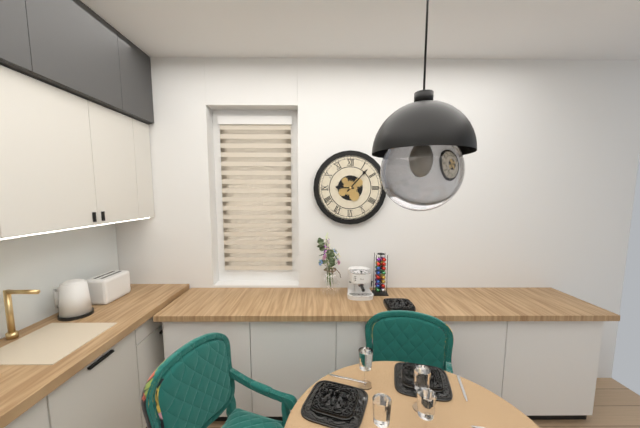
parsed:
9,07
